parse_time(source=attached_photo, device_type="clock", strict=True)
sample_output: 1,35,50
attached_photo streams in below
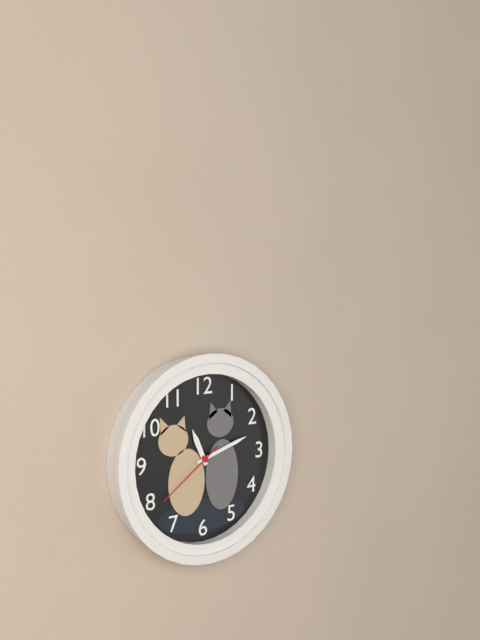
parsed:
11,12,39
